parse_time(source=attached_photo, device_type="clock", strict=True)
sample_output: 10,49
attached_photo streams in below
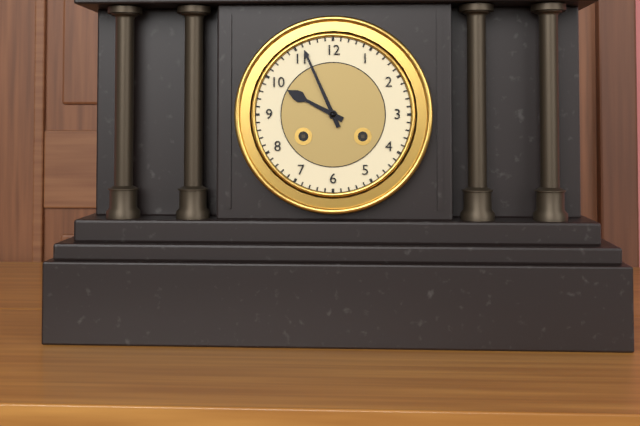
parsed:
9,56
